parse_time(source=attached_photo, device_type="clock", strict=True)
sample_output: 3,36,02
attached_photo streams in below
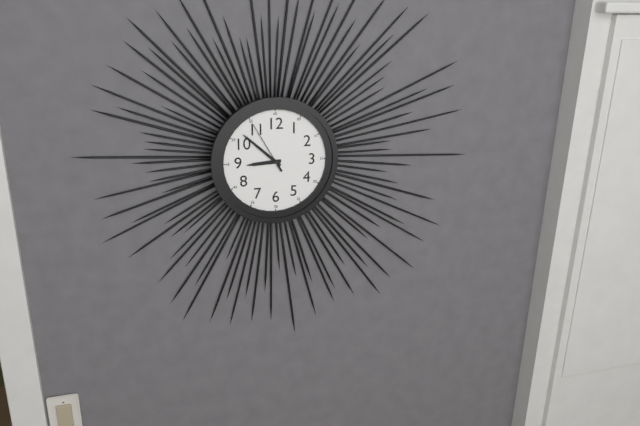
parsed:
8,52,55
